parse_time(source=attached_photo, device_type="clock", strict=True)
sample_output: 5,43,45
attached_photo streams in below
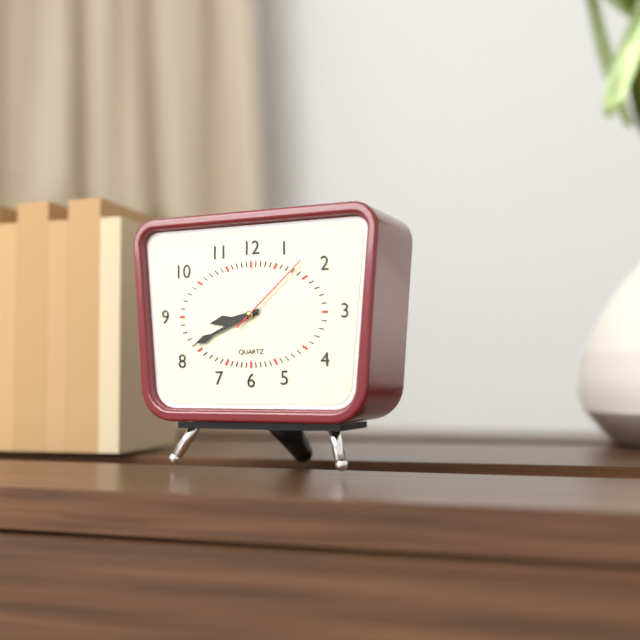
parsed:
8,41,08
